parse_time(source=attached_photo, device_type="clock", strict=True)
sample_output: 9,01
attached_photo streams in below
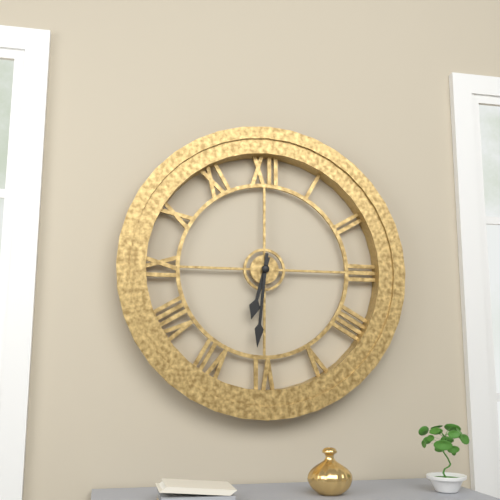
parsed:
6,31
